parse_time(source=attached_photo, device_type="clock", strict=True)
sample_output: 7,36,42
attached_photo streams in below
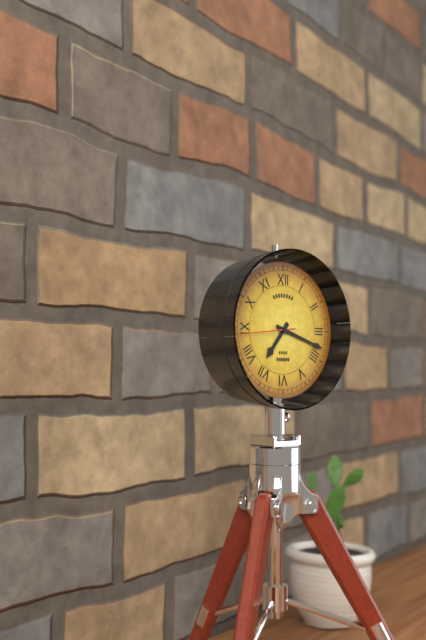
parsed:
7,18,44
